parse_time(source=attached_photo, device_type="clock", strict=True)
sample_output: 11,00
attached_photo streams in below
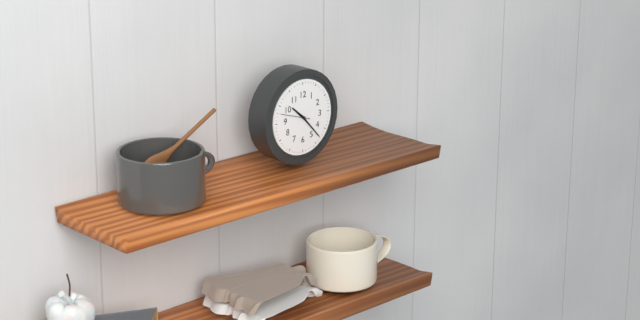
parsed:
10,23
